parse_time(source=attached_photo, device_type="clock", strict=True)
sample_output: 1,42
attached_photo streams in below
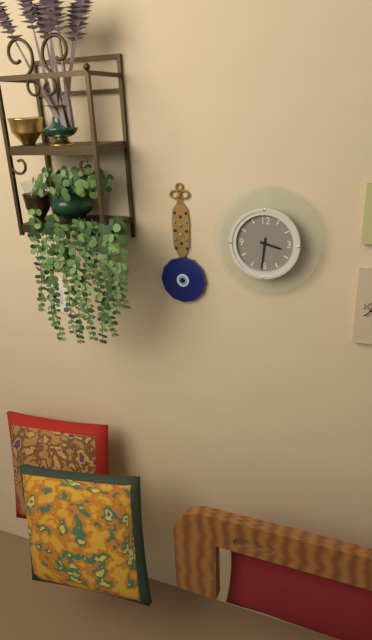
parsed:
3,31
